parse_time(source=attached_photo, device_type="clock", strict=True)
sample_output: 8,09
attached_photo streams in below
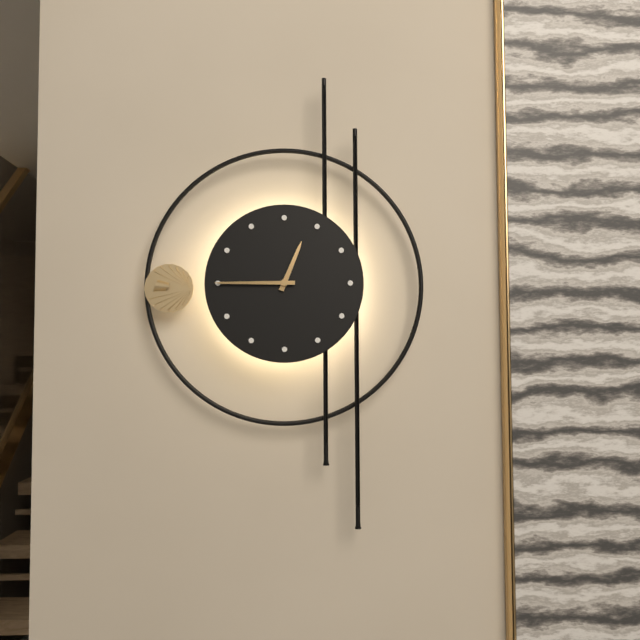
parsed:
12,45
